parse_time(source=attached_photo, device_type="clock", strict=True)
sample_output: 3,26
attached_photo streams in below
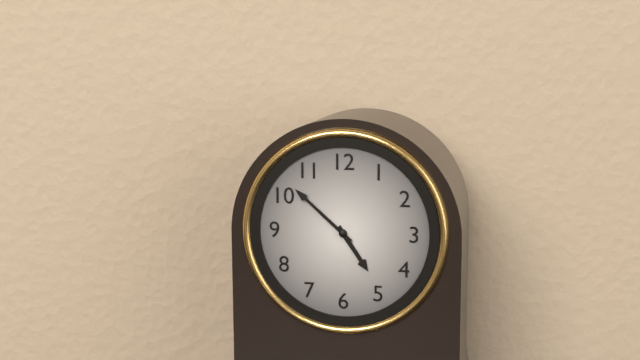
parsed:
4,52
